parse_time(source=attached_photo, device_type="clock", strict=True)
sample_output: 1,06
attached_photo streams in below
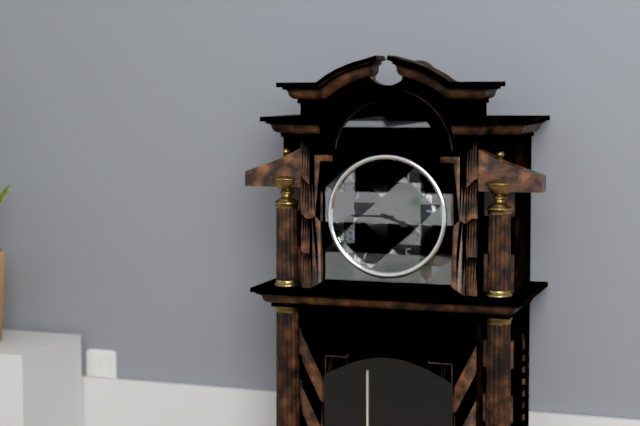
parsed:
3,45
